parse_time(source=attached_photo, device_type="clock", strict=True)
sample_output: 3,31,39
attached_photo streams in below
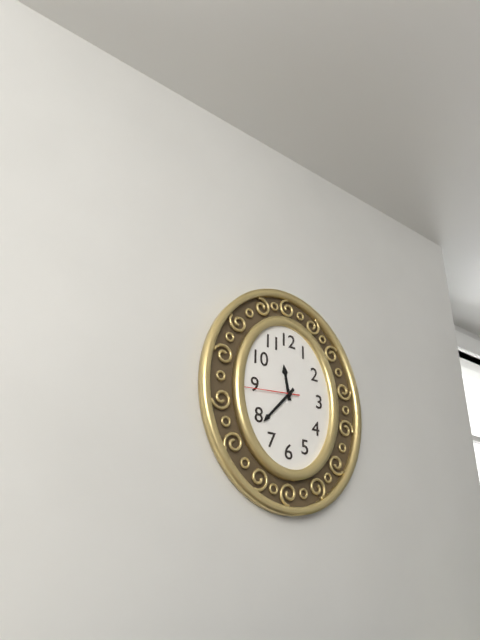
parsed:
11,37,44
